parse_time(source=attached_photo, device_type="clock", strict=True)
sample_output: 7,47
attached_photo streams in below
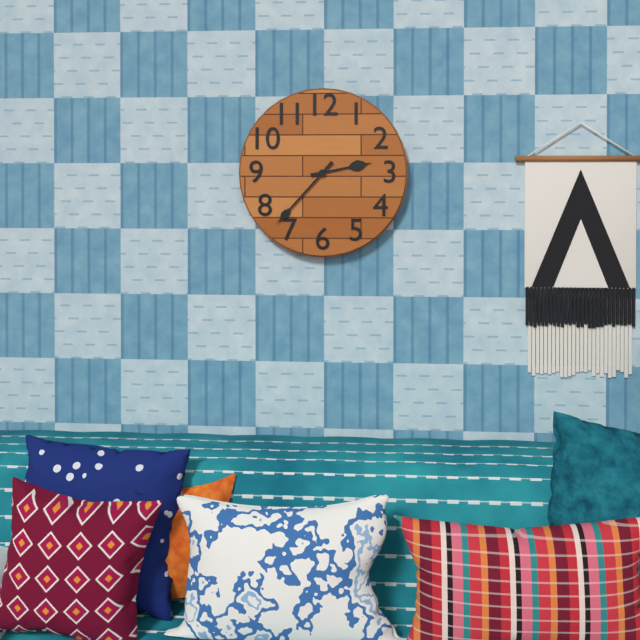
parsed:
2,37
